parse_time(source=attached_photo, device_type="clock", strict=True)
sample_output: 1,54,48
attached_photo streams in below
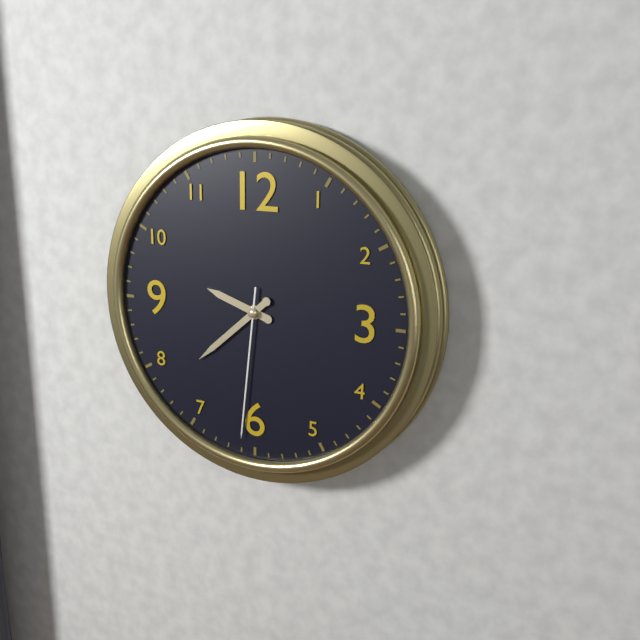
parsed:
9,38,31
